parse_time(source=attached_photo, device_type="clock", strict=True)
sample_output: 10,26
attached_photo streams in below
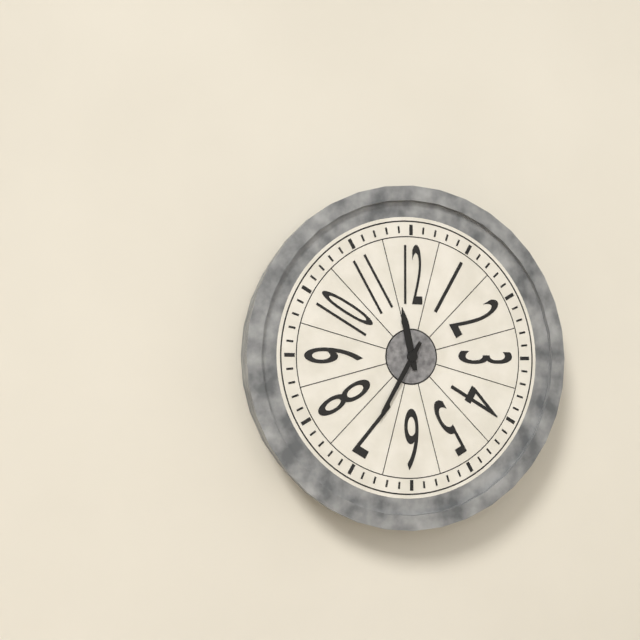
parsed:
11,35
